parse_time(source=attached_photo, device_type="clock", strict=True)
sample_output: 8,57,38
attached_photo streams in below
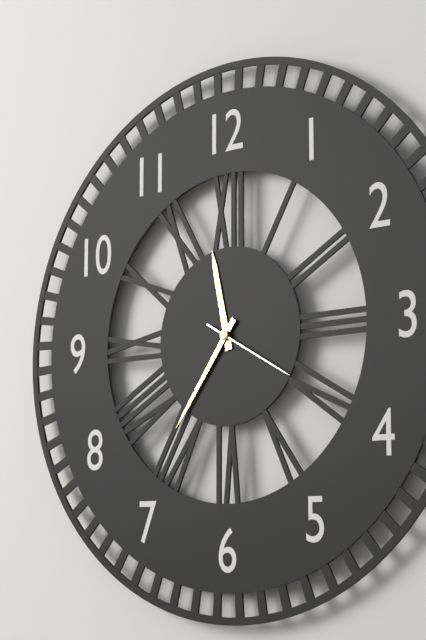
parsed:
11,36,20
